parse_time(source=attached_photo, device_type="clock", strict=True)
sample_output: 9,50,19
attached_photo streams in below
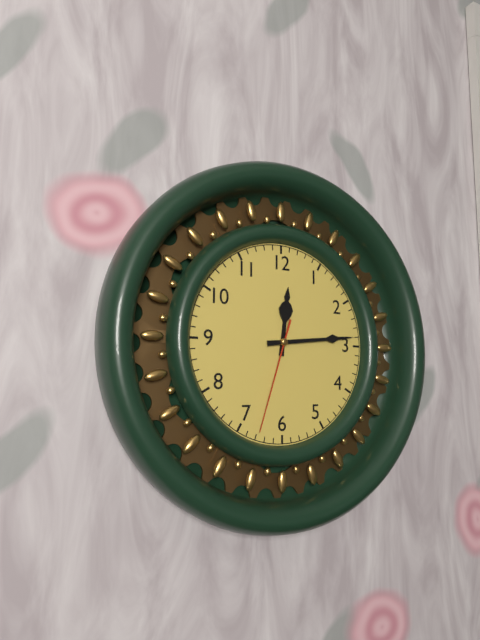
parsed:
12,14,33
